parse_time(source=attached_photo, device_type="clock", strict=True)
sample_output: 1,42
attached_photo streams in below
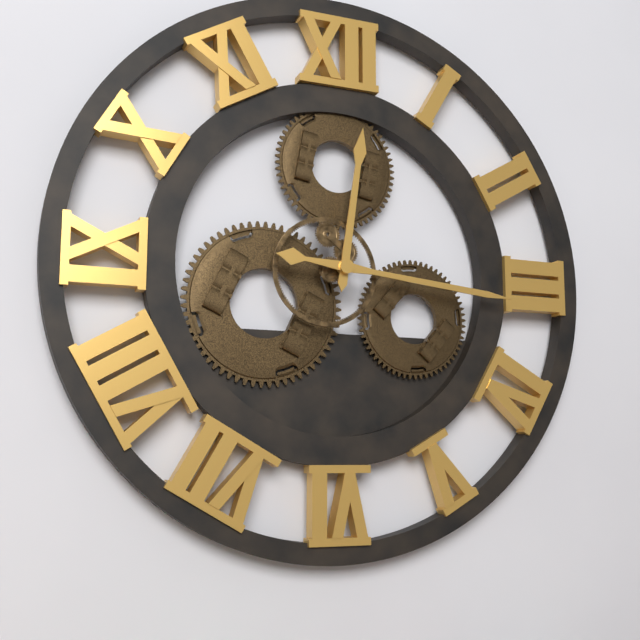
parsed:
12,16
